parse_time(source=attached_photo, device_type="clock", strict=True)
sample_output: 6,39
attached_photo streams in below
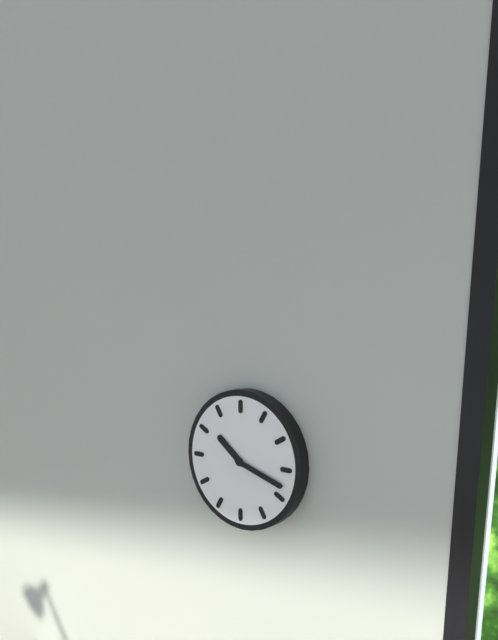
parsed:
10,18
